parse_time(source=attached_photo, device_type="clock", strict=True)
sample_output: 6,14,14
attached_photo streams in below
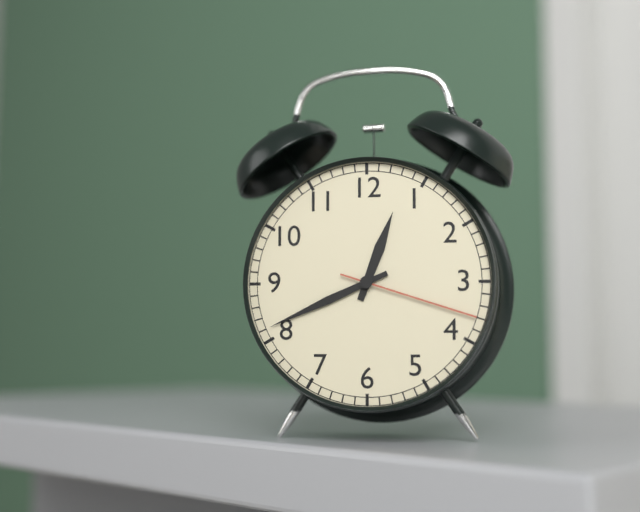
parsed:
12,41,18
